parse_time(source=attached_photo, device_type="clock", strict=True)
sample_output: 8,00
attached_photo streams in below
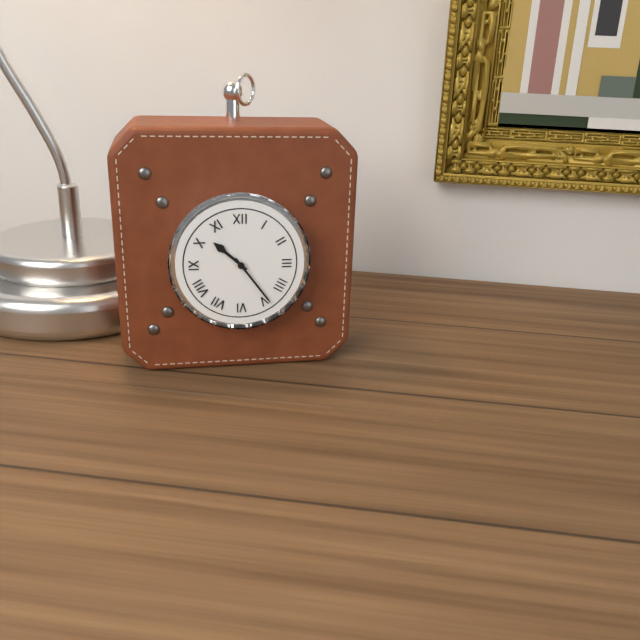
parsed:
10,24
